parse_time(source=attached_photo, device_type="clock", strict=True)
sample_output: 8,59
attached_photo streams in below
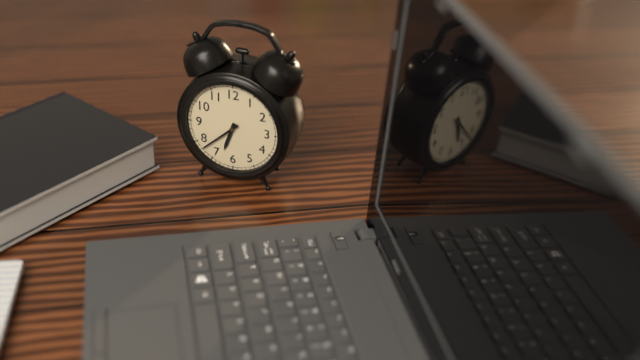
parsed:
6,38
